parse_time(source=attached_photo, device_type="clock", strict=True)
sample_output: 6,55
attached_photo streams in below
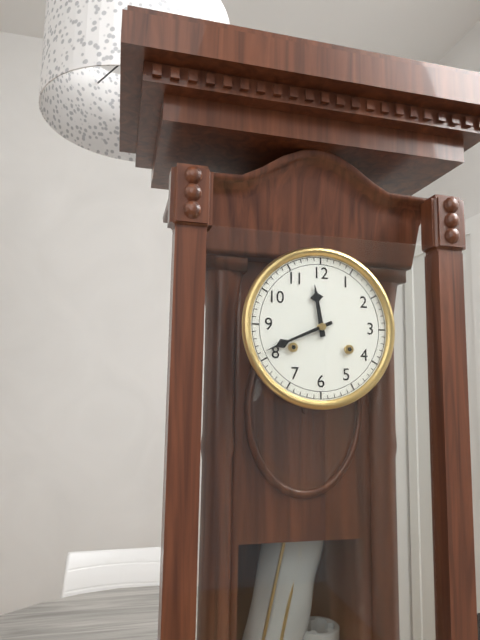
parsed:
11,41
